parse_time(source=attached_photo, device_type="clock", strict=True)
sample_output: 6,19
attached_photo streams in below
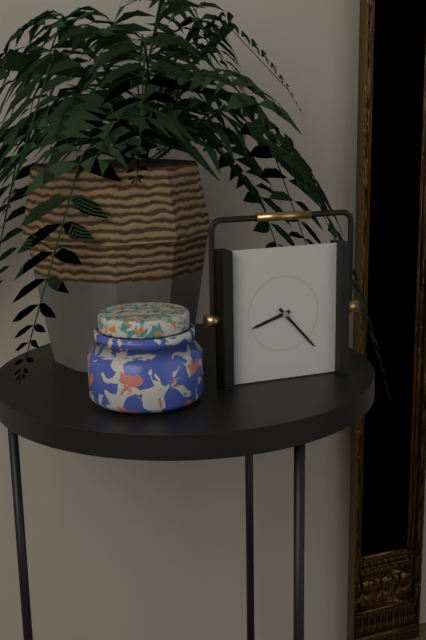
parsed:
8,23
